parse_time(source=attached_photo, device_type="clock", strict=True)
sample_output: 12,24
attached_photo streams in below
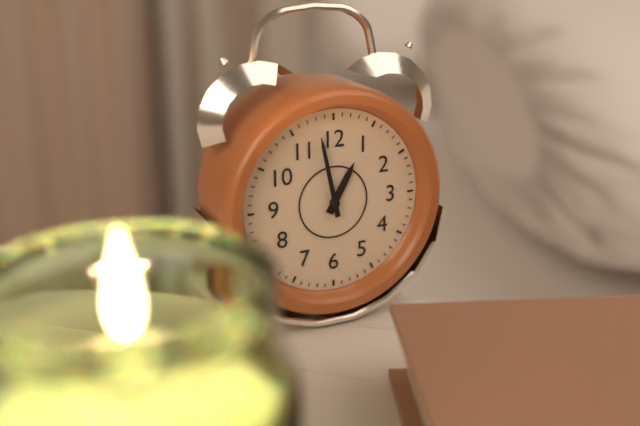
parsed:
12,58
